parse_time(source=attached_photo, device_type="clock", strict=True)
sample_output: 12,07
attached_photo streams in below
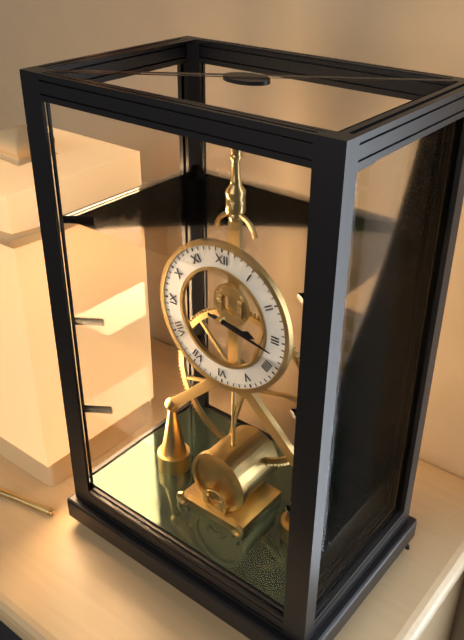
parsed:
3,17
